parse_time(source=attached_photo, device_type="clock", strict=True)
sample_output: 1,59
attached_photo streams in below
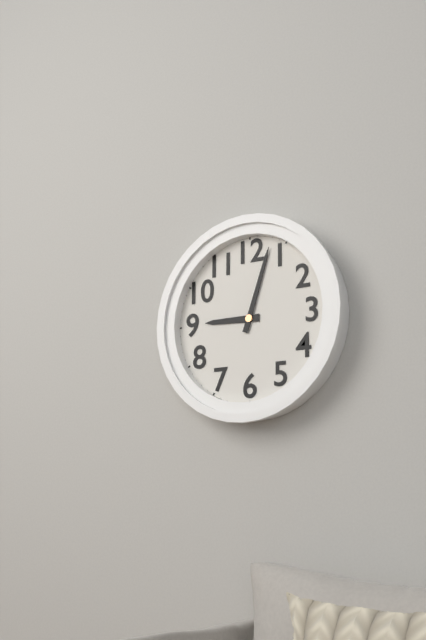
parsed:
9,03
